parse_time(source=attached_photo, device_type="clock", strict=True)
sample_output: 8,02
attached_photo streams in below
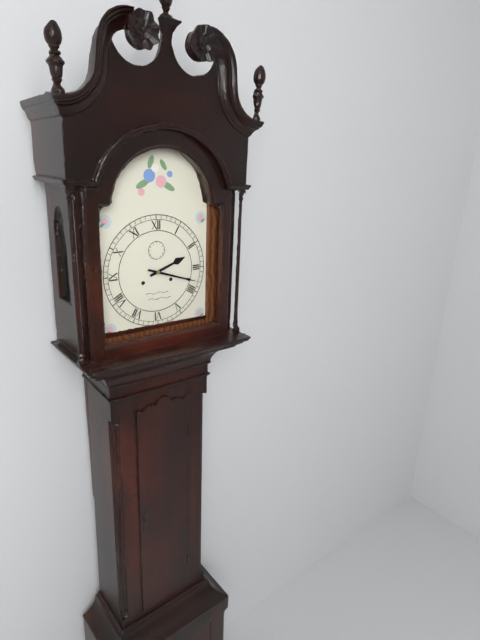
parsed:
2,18
